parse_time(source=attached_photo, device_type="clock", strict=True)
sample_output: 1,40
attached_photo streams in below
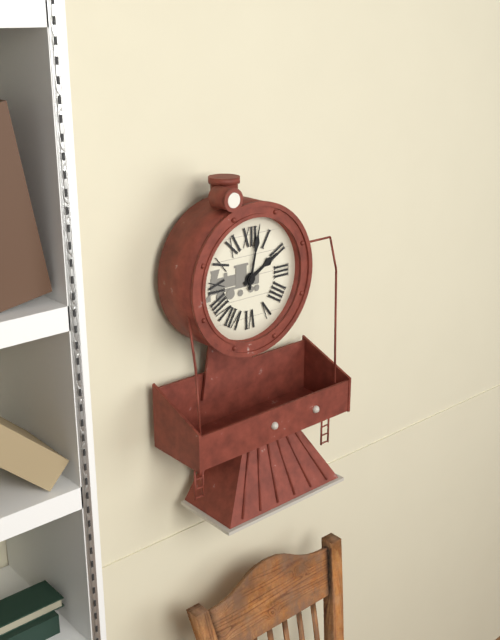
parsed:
2,02
